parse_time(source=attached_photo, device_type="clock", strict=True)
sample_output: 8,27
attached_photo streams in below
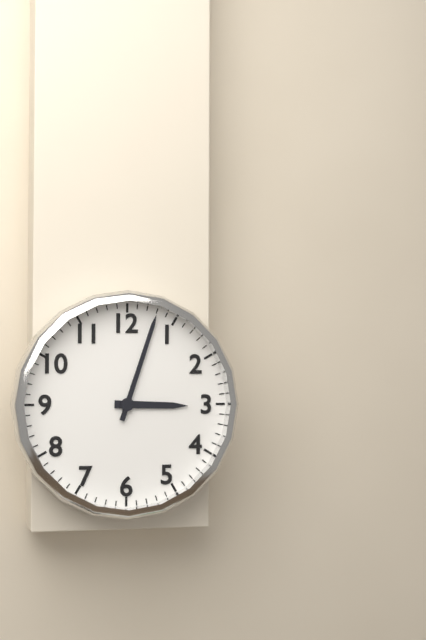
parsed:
3,03
